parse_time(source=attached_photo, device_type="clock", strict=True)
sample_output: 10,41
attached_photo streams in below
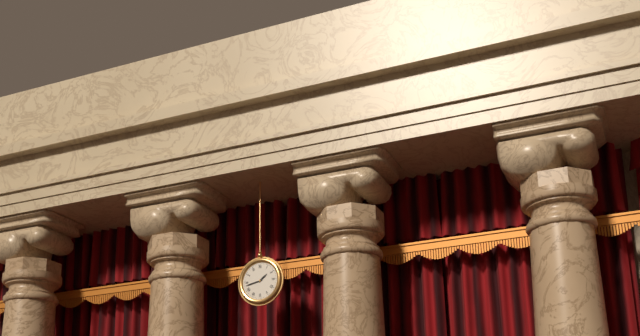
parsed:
1,43
